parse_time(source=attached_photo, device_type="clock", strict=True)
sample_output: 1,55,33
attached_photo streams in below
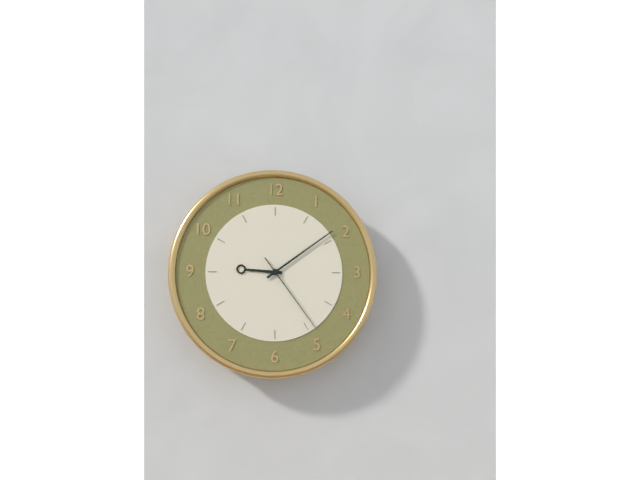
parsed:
9,09,24
